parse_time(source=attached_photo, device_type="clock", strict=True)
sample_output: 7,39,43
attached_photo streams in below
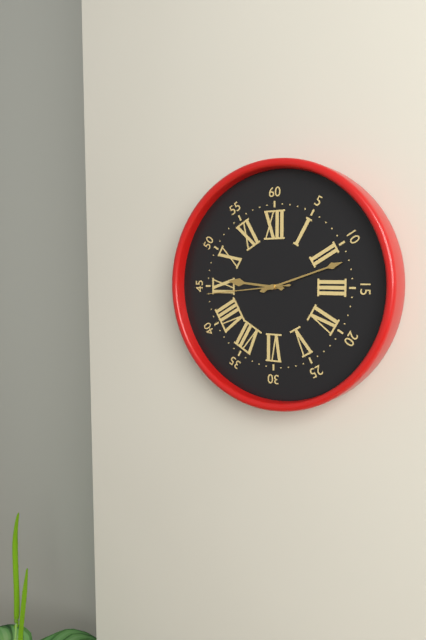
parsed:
9,12,44
